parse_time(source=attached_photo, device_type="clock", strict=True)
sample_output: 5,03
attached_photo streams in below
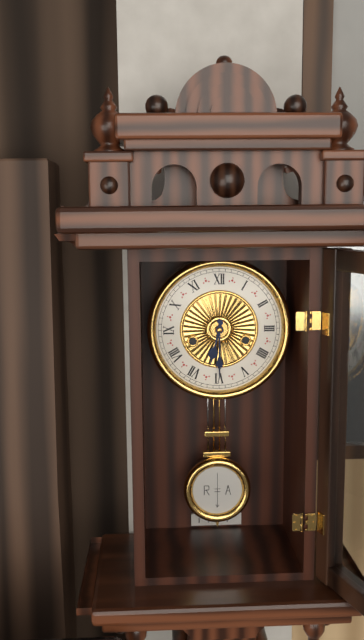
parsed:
6,30
